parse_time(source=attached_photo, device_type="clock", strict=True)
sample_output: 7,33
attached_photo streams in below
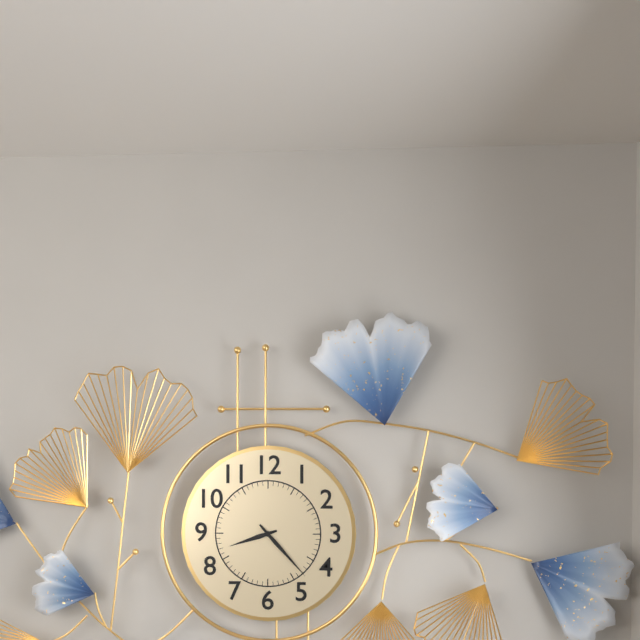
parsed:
8,23
